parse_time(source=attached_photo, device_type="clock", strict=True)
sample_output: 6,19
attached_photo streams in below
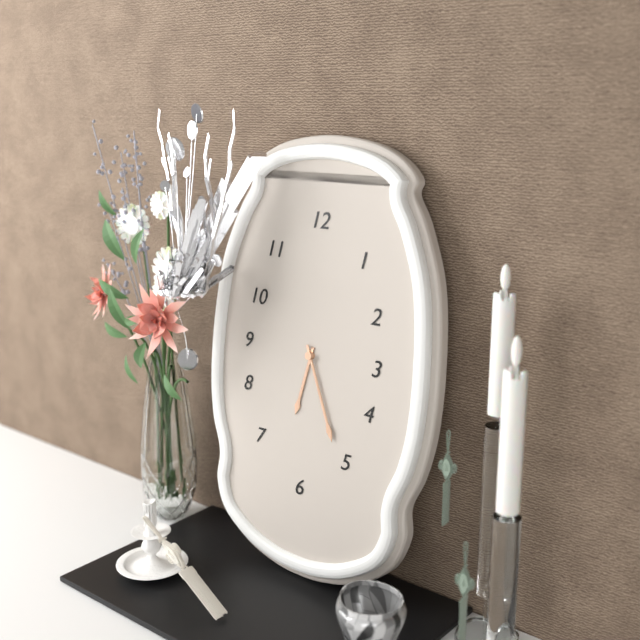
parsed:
6,26
